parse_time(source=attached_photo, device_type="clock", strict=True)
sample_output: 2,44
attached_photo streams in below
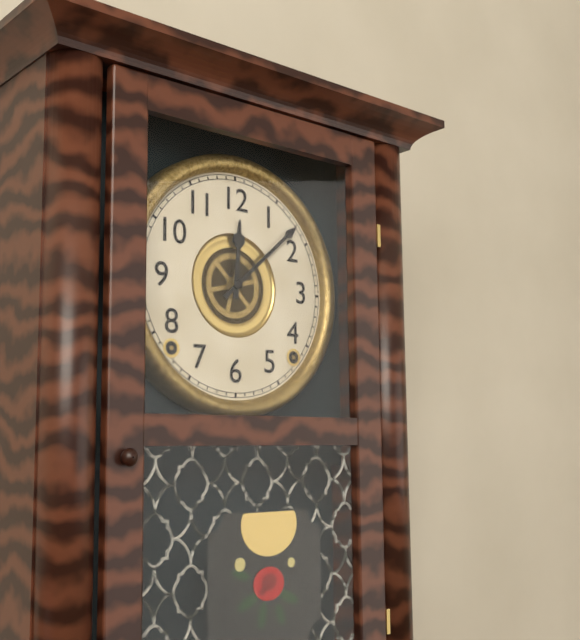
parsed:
12,08
